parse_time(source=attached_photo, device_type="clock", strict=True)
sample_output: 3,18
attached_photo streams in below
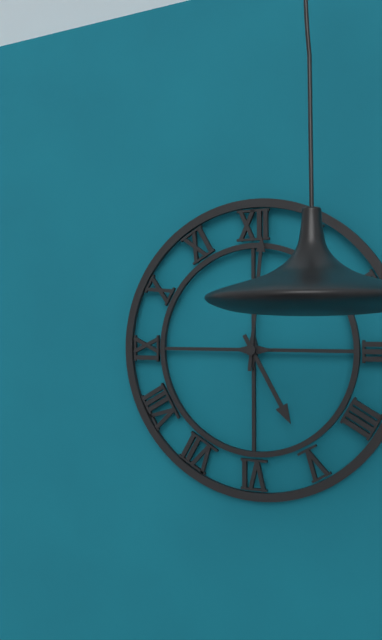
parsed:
5,01
